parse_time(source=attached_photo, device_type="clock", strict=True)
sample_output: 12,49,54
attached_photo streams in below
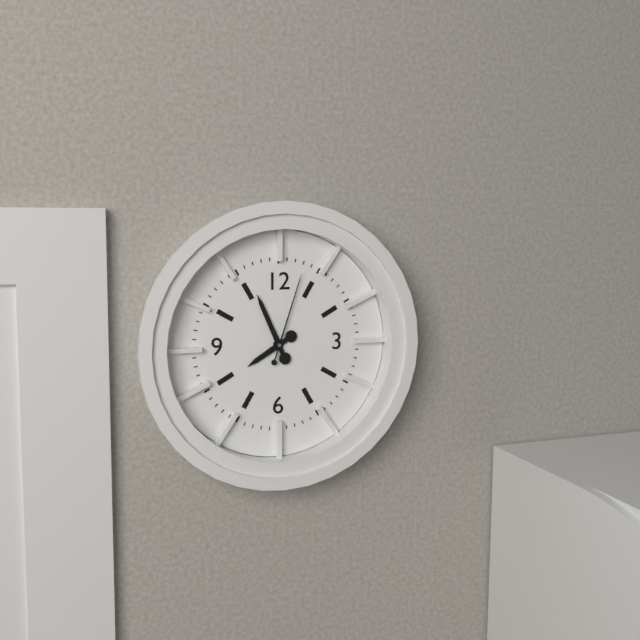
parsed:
7,56,03
